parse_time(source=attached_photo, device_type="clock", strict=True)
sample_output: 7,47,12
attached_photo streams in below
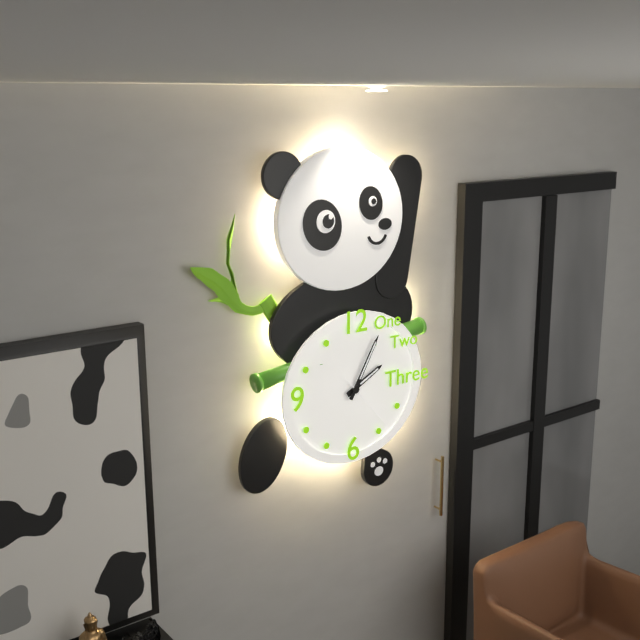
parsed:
2,05,23
